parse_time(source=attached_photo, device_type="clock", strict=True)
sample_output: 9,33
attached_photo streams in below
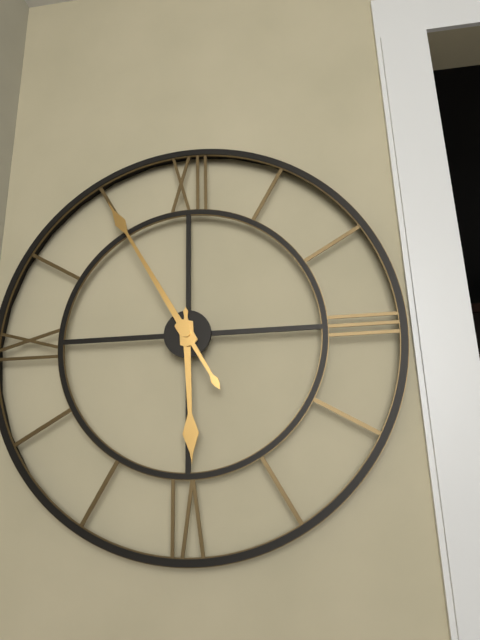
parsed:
5,55
